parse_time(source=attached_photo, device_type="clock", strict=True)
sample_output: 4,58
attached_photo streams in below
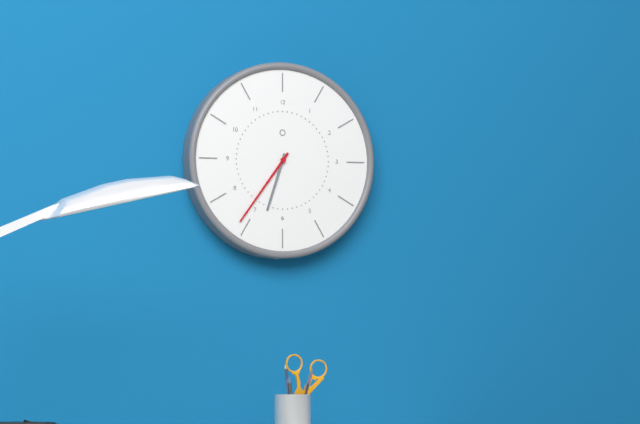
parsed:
6,36
